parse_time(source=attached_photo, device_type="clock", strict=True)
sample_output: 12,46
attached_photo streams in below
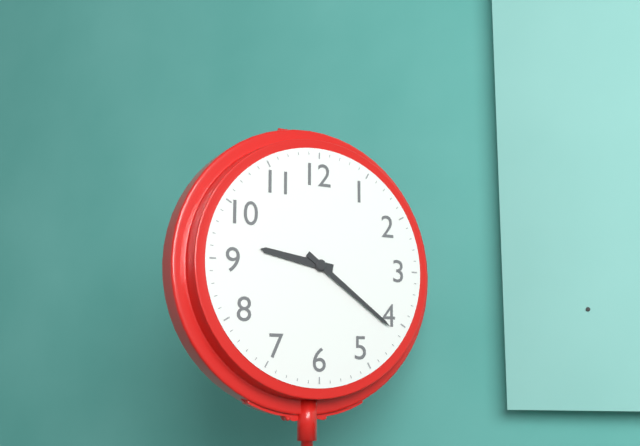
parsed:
9,21
